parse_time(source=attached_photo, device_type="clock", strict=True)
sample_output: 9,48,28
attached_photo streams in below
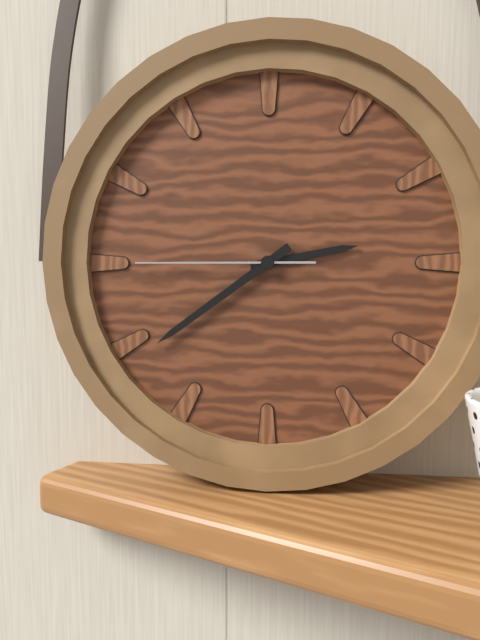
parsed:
2,39,45
